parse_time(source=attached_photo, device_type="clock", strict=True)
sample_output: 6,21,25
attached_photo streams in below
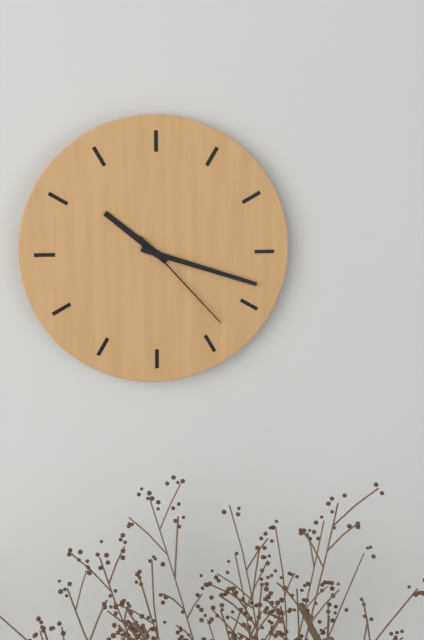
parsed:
10,18,23
